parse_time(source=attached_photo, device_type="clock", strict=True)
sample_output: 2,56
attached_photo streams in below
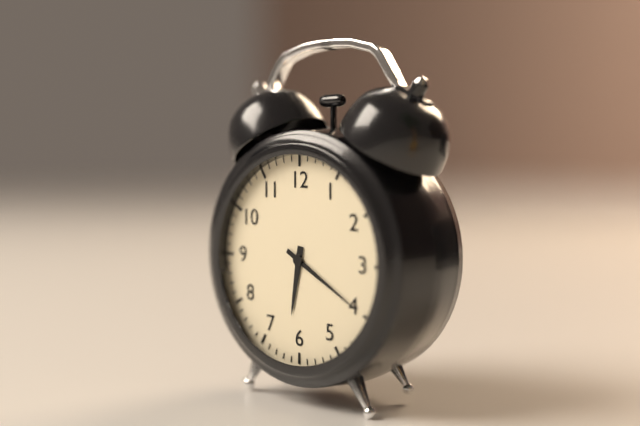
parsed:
6,20
